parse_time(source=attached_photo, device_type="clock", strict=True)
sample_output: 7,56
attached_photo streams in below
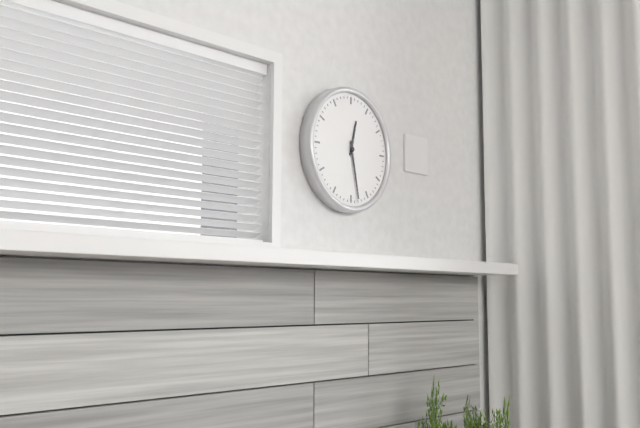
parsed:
12,28
